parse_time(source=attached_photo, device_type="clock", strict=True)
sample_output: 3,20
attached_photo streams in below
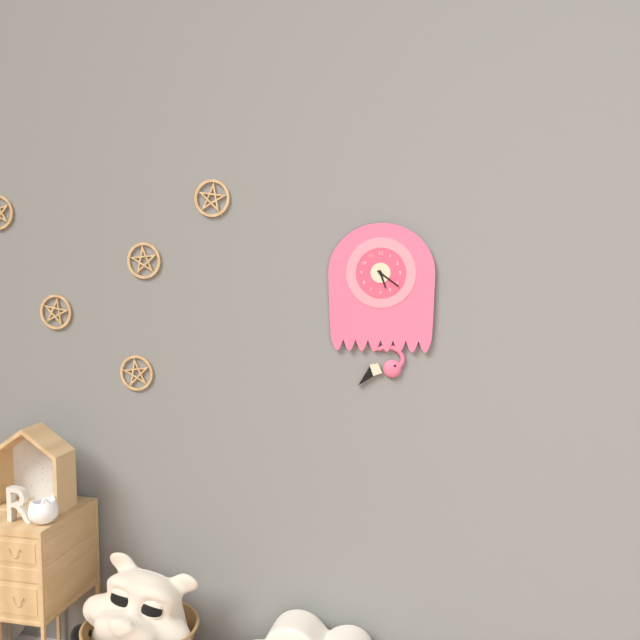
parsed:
5,21
